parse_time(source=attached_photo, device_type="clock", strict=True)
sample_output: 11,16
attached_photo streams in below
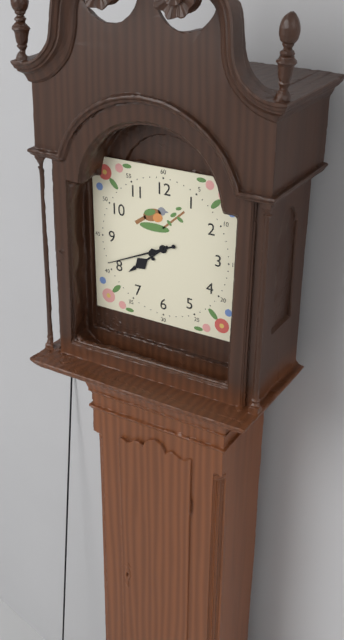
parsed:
7,41
